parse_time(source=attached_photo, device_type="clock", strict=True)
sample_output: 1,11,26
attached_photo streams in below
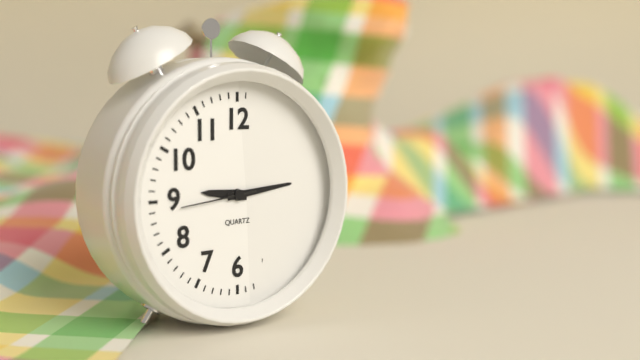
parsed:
9,14,44
